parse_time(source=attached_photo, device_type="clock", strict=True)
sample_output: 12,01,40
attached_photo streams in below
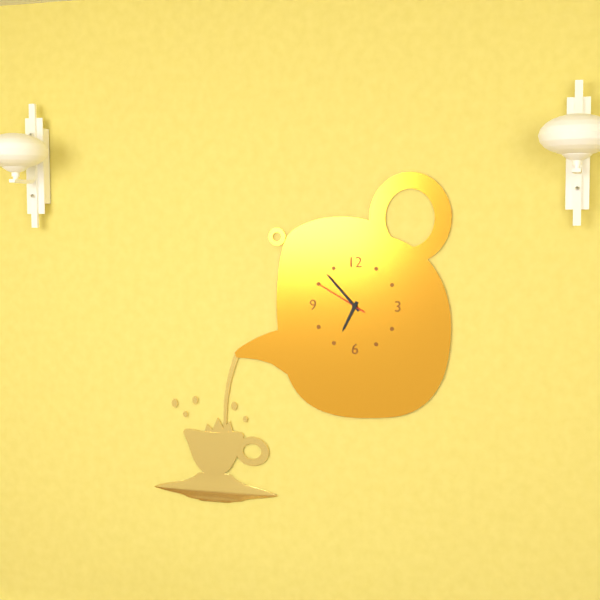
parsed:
6,53,50
